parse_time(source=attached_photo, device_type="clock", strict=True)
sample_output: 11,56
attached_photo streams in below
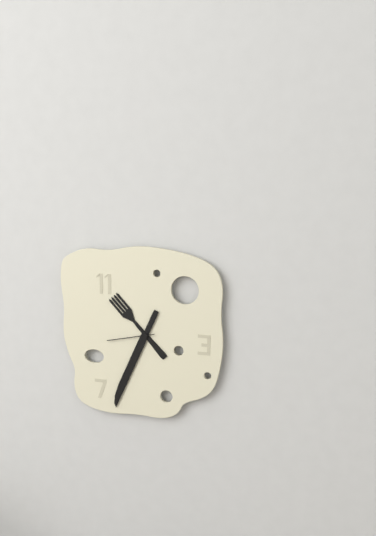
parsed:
10,34
